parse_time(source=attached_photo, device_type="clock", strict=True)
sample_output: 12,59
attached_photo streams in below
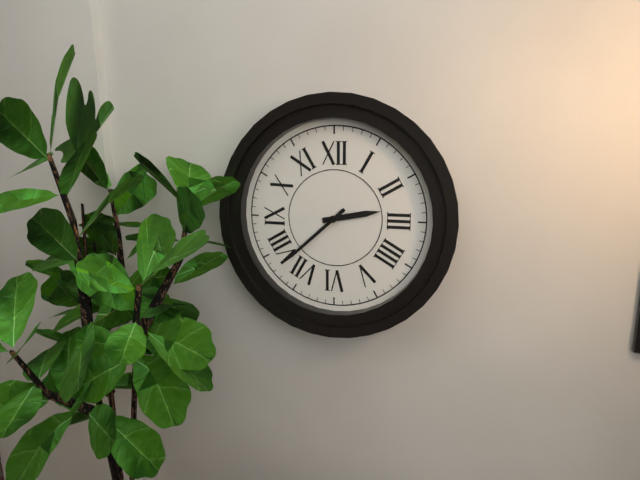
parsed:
2,38
